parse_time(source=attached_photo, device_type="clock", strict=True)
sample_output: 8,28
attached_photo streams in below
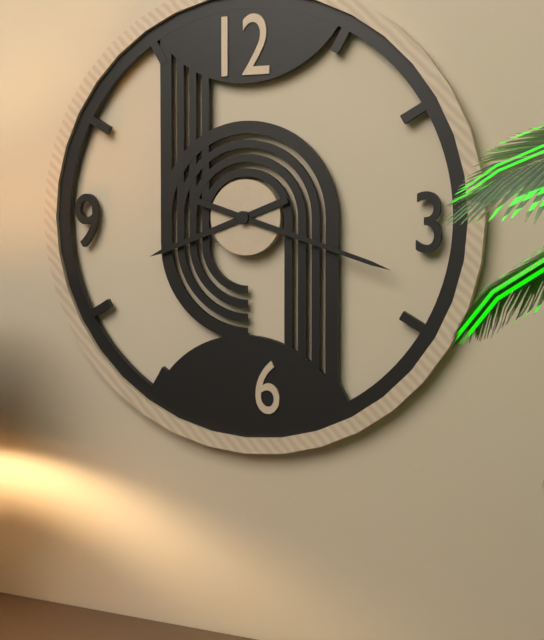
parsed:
8,18
